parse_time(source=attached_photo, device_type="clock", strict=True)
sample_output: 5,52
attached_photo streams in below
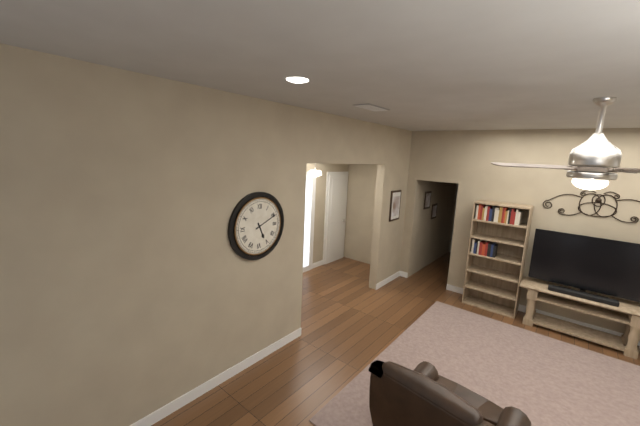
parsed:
5,11
